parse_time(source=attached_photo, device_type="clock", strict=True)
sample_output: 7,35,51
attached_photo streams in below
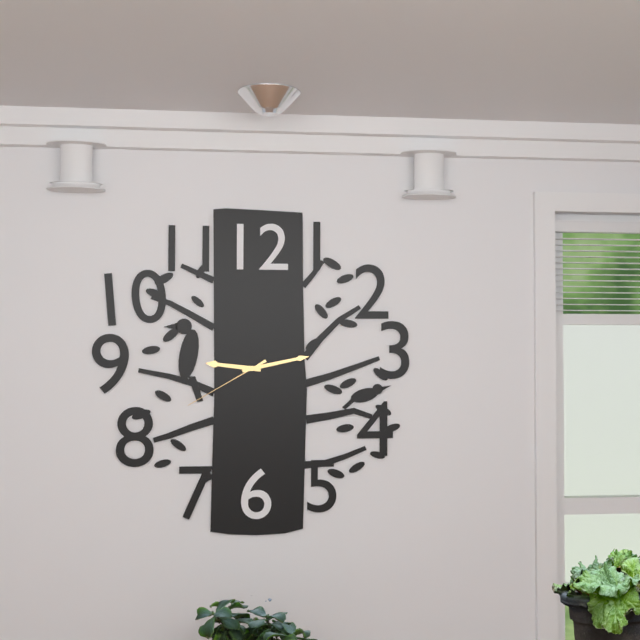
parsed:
9,13,40
